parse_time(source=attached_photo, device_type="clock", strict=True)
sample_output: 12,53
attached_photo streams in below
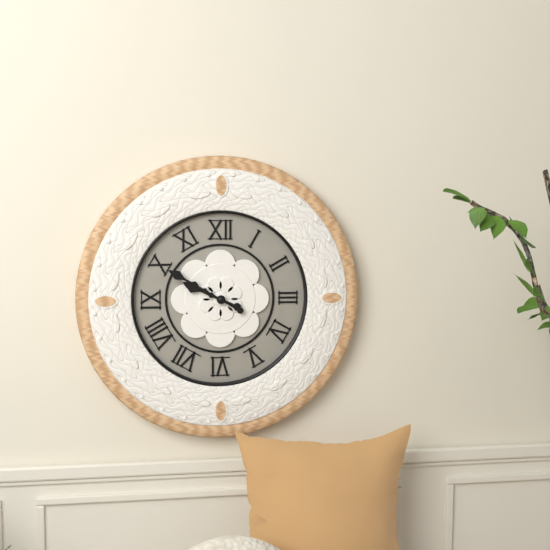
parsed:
9,50
